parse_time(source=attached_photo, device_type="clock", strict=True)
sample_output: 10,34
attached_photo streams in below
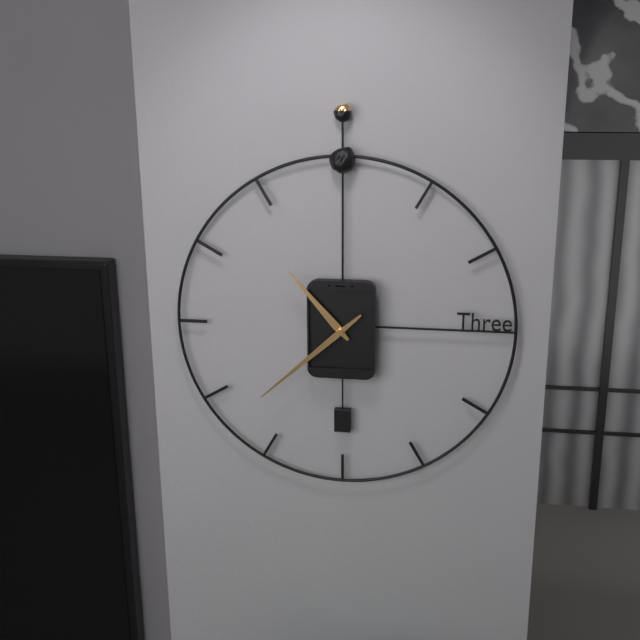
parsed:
10,38
